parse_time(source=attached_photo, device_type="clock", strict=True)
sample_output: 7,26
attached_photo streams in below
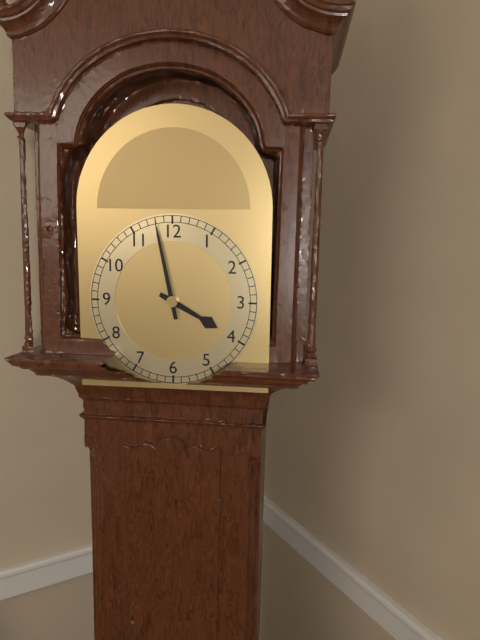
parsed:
3,58
